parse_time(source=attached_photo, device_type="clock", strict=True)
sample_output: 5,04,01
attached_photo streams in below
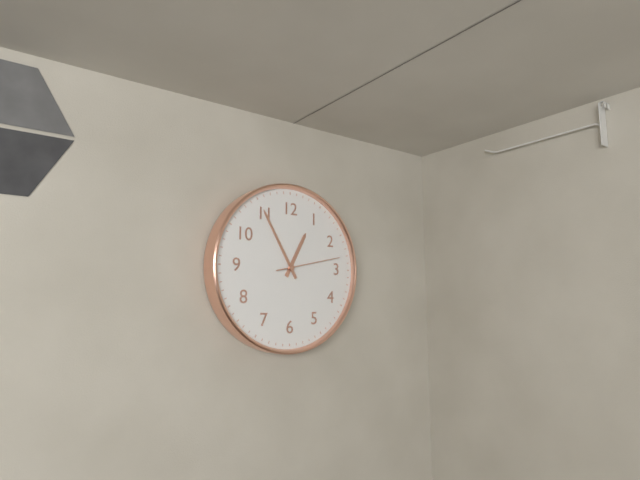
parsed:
12,55,13
